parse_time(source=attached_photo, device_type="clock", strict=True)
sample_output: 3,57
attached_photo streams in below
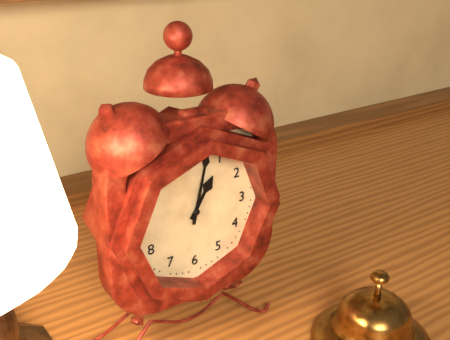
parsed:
1,02
